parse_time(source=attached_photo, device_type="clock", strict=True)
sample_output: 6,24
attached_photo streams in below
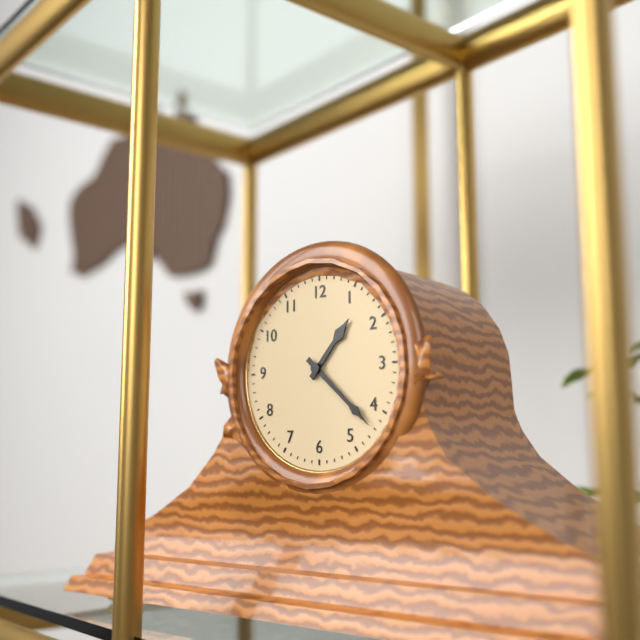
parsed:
1,22
